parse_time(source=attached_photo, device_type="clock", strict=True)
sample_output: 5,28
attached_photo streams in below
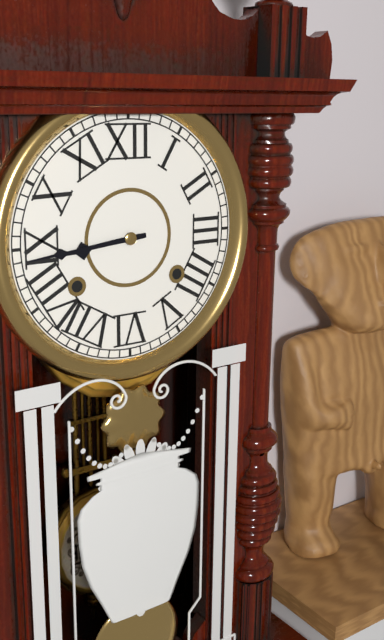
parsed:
8,44
